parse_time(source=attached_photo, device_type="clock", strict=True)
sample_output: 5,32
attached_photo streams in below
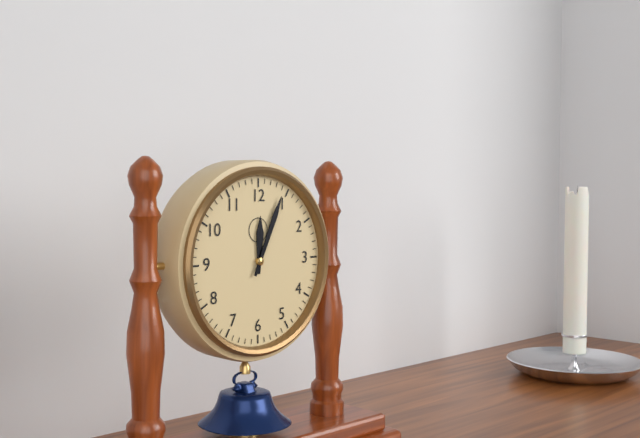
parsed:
12,04
